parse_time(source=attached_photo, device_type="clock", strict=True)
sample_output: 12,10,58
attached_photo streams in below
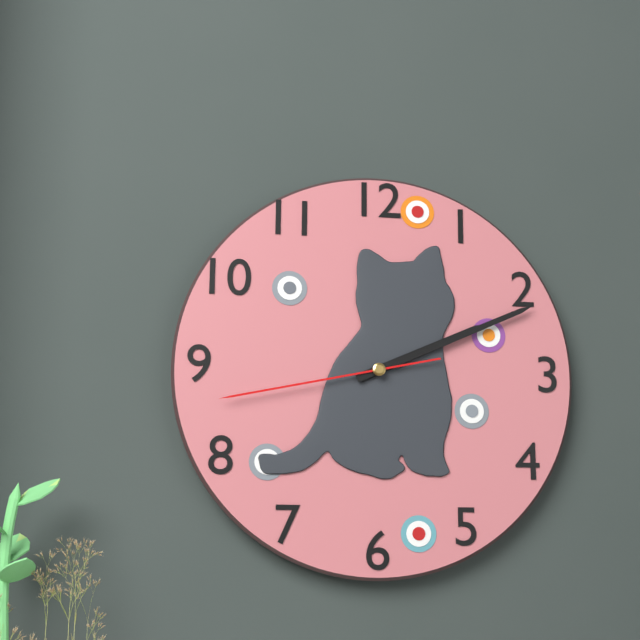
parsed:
2,11,43
